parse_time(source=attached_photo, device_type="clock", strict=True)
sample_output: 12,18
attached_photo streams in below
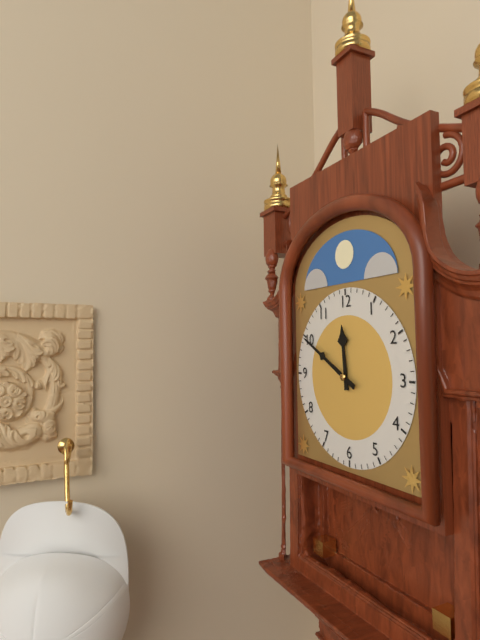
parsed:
11,50
